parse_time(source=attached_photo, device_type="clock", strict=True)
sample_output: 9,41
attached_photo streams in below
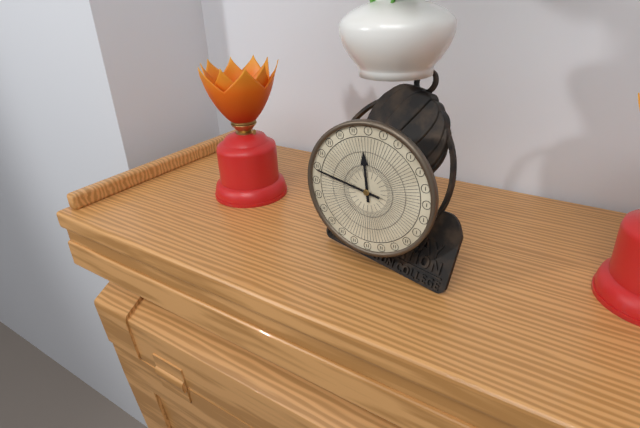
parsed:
11,47
